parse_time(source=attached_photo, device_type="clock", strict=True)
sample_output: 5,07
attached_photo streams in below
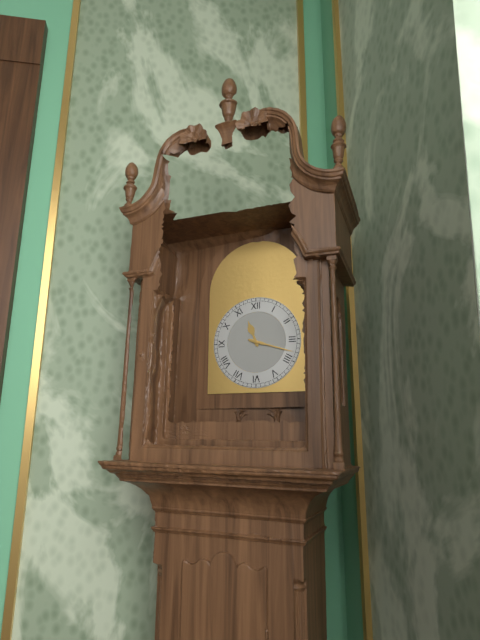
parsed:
11,18
